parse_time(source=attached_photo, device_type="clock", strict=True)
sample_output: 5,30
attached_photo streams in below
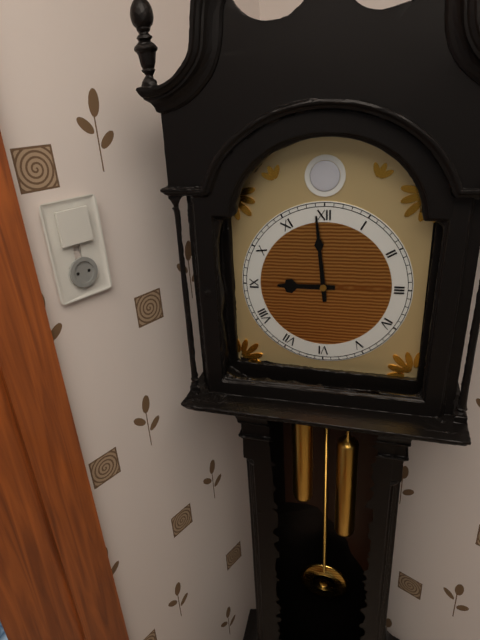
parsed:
8,59
